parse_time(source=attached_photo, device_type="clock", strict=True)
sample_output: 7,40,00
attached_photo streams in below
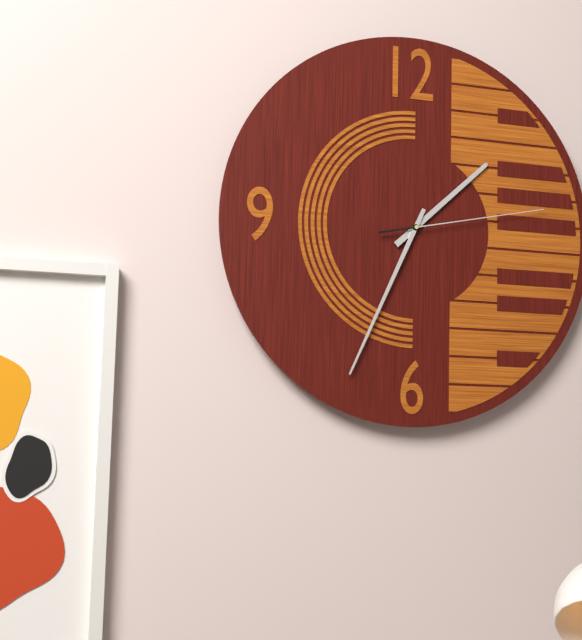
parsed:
1,34,13
